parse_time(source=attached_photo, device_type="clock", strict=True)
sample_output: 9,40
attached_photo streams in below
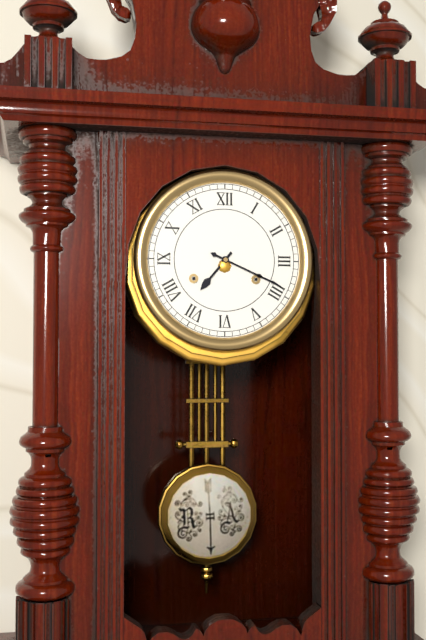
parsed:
7,19
